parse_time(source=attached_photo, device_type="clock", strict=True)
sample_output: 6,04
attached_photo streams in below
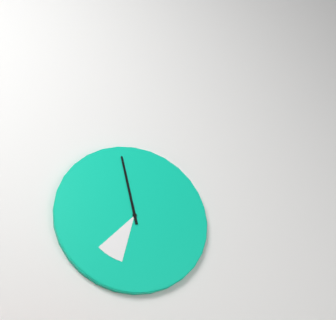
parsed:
6,58
